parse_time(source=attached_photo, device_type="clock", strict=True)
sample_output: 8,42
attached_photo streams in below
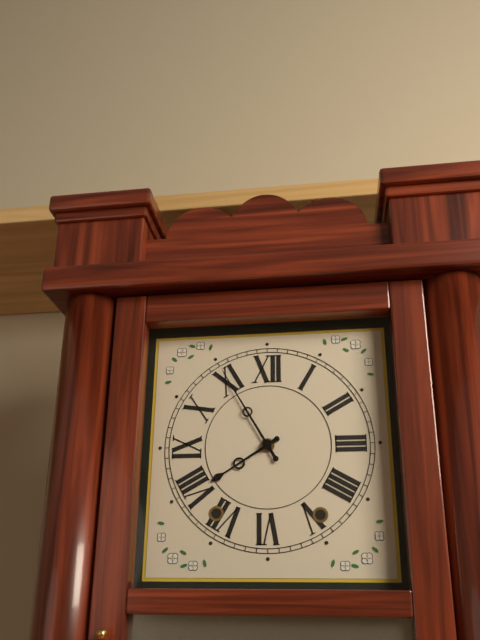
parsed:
7,55
